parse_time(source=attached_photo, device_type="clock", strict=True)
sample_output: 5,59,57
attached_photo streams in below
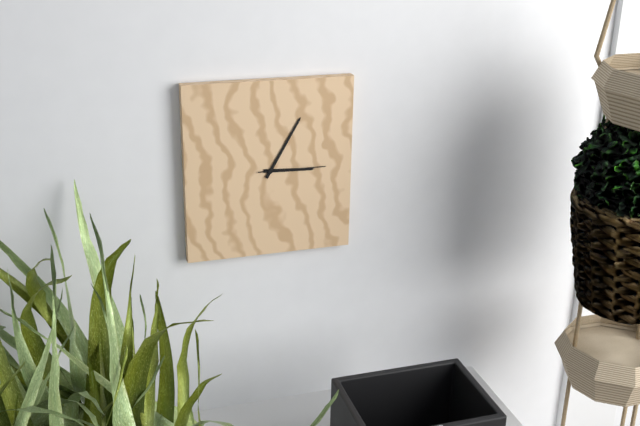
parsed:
3,05,15
